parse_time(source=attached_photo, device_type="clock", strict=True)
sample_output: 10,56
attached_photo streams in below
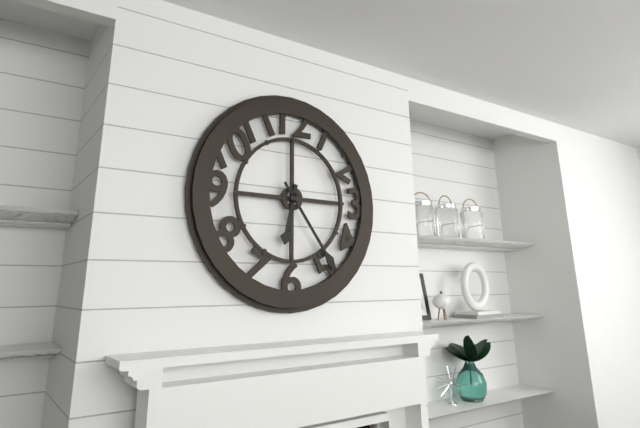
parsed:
6,24
